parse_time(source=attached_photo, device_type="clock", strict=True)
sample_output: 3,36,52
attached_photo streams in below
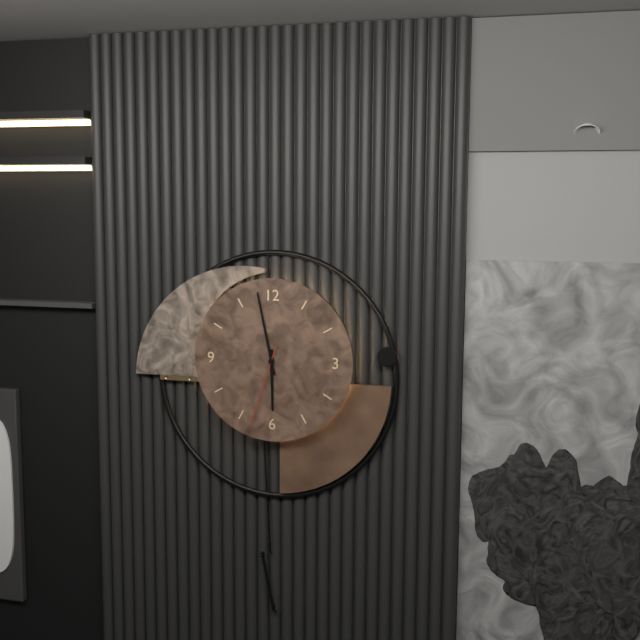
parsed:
5,58,33
